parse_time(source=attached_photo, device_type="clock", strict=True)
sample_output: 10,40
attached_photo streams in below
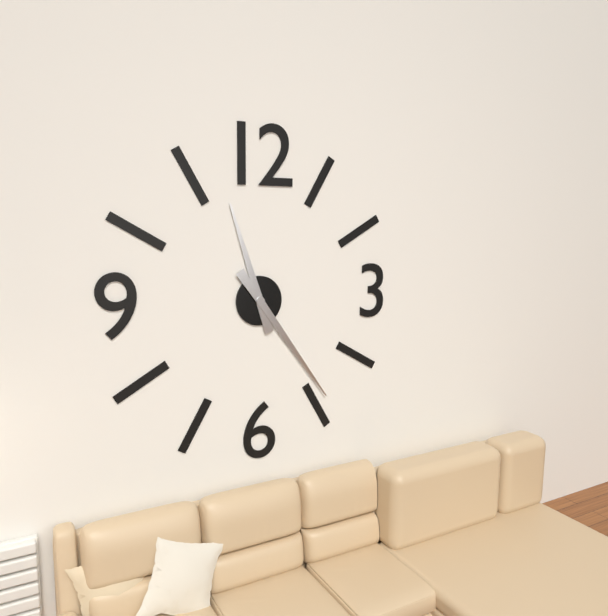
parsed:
11,24
